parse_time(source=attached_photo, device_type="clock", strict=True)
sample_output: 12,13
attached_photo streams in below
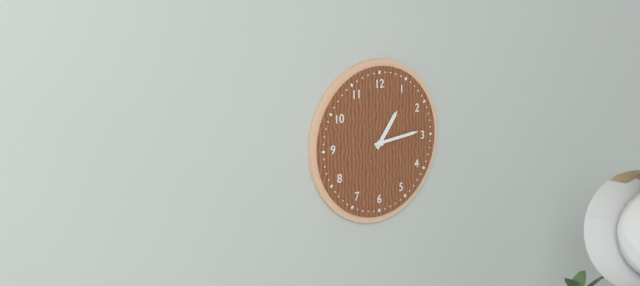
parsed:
1,14
